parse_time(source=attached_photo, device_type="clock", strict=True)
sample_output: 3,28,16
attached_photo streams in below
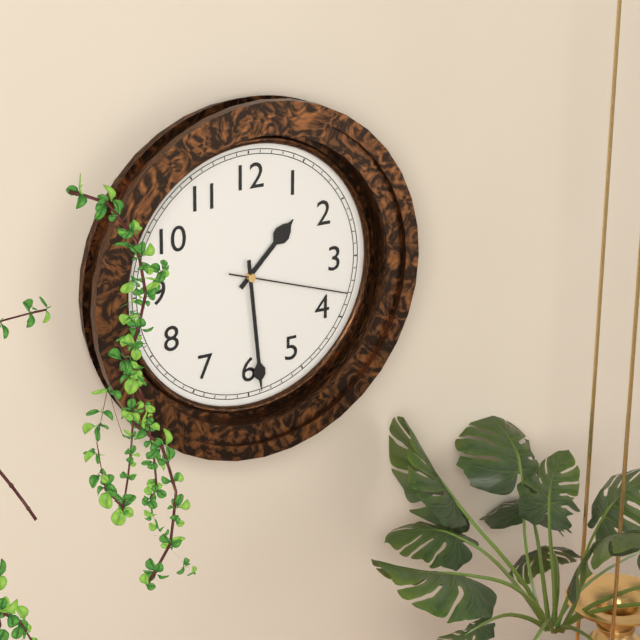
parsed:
1,29,18
